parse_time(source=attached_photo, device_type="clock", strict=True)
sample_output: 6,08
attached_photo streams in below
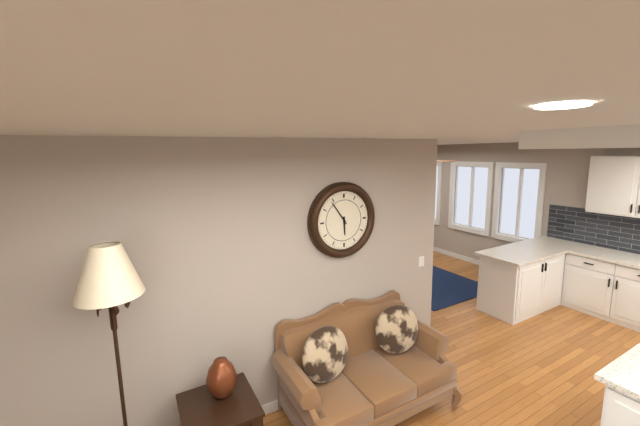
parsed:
5,54
